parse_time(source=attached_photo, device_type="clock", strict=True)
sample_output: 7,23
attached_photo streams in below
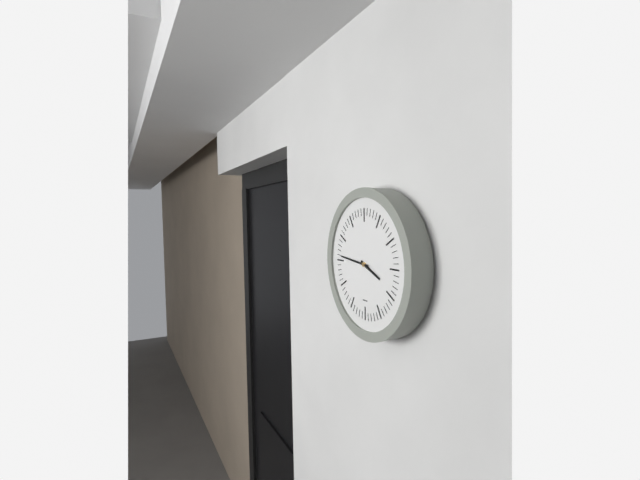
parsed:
3,46
